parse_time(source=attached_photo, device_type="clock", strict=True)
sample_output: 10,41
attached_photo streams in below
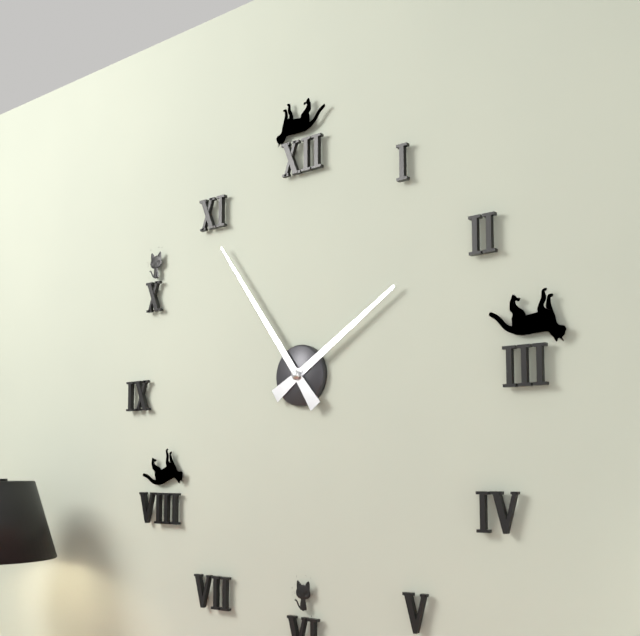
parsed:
1,54
